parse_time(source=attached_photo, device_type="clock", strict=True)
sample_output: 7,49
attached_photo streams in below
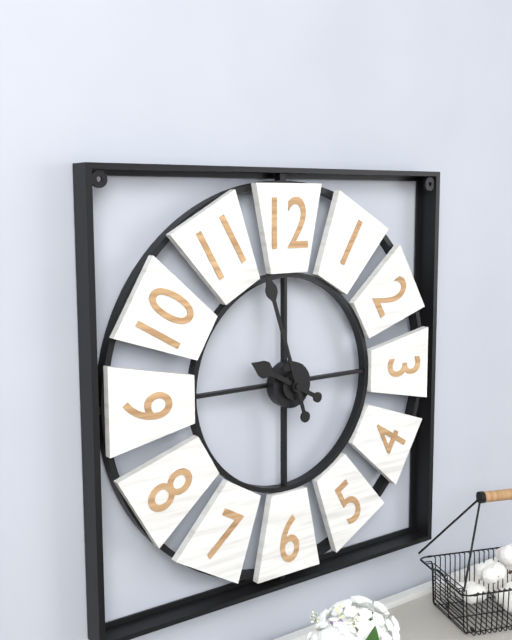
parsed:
9,57
